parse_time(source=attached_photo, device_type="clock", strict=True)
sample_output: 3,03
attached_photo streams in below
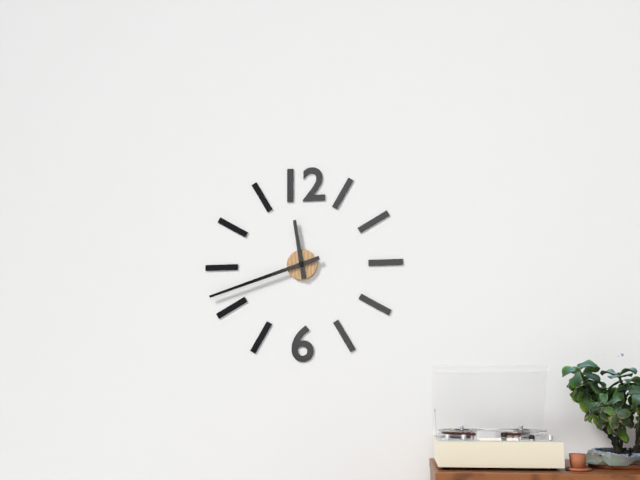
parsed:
11,42
